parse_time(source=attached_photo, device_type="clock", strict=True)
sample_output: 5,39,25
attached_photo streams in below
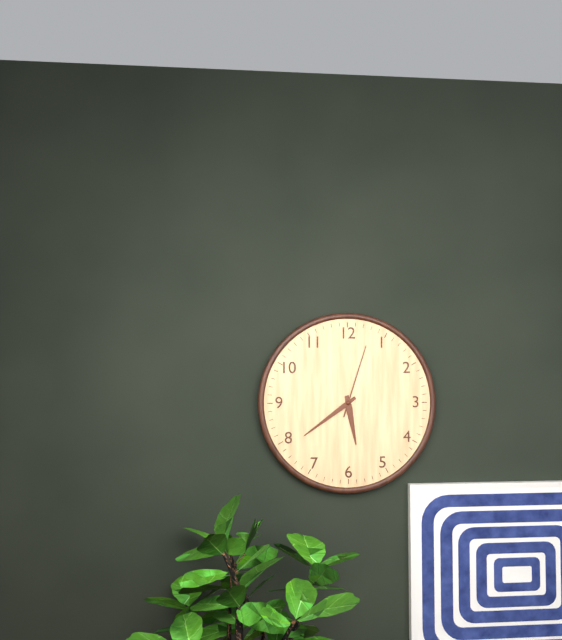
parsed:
5,39,03
